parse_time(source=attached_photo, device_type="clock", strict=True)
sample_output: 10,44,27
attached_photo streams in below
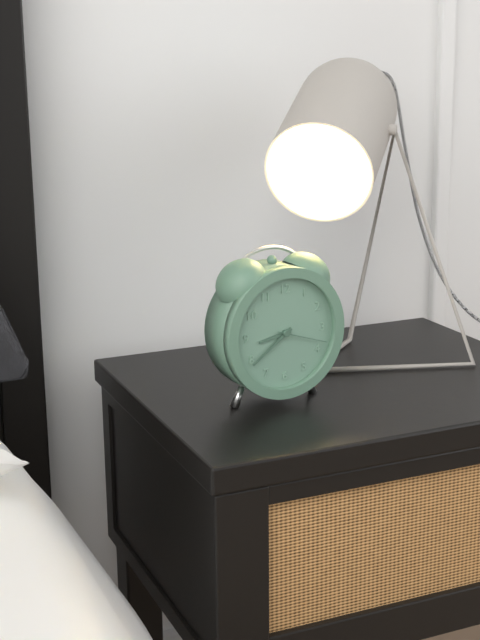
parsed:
8,39,18
